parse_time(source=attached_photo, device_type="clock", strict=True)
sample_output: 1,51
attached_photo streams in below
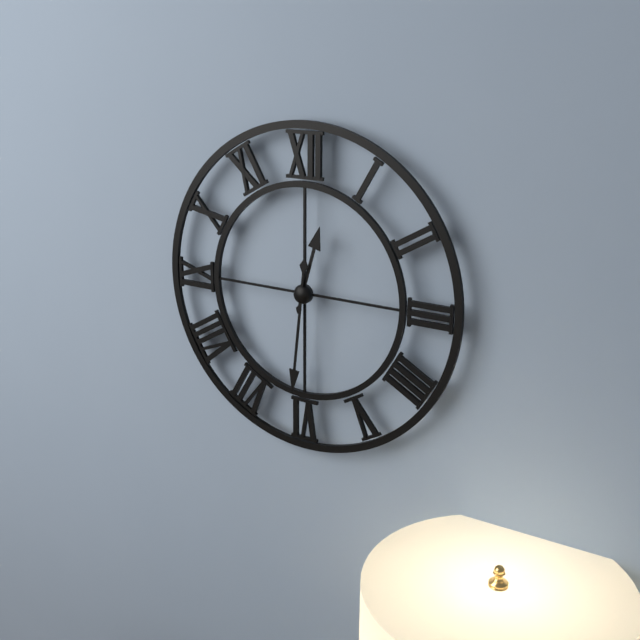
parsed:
12,31
